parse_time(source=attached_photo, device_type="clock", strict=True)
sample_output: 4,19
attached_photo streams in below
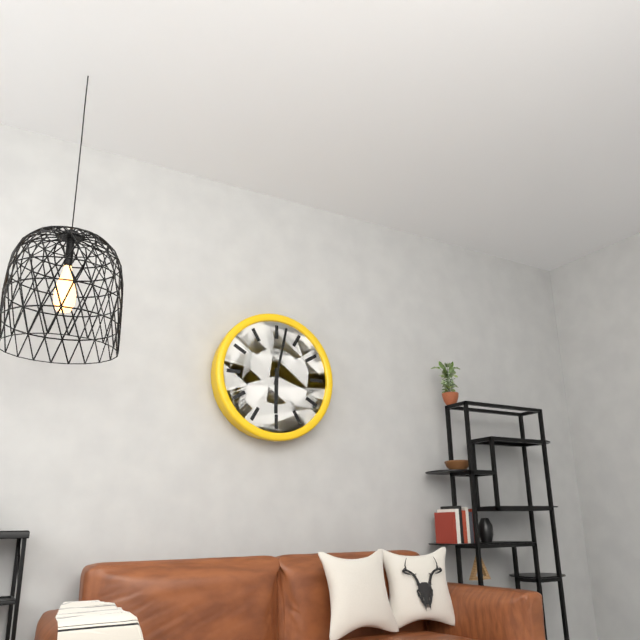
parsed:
6,02
